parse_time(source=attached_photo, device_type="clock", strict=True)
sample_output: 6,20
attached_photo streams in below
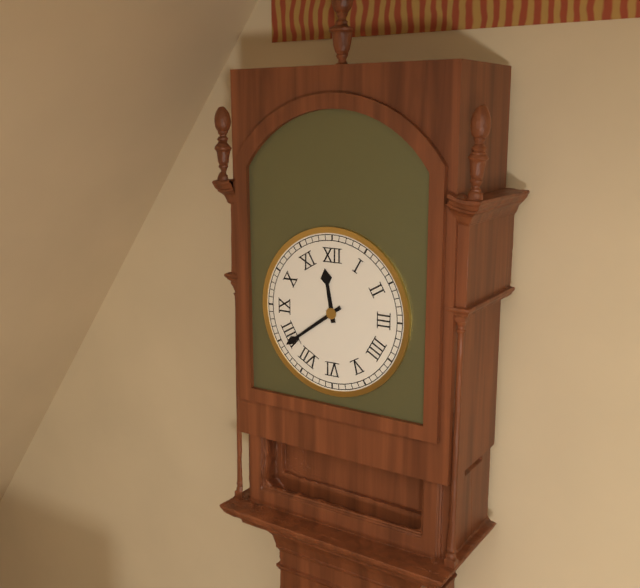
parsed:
11,39
